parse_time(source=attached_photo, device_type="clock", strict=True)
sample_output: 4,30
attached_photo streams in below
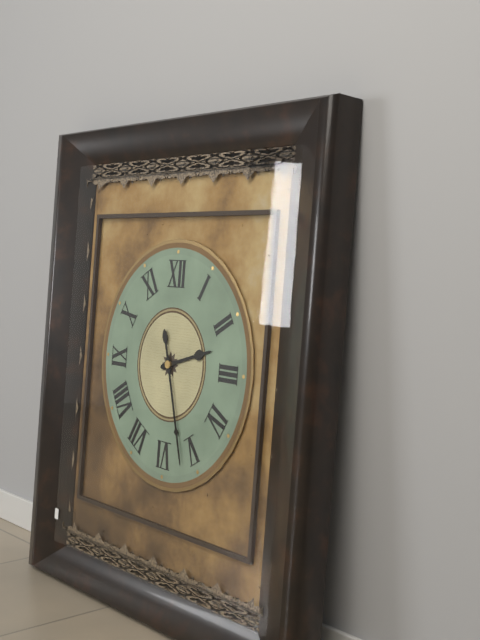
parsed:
2,27
